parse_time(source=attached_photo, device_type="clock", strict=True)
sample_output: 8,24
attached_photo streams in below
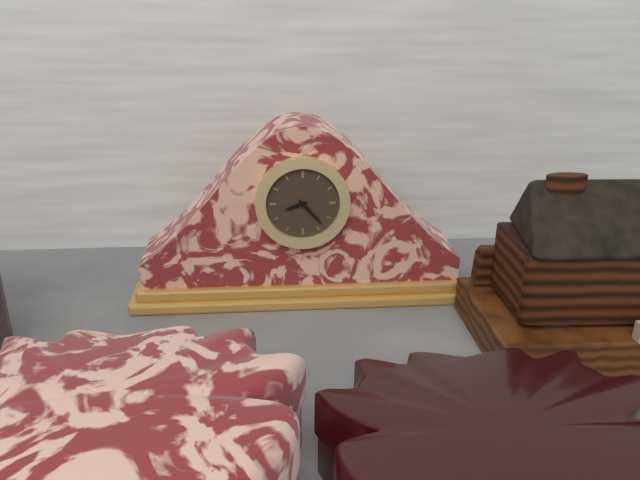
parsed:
8,23
